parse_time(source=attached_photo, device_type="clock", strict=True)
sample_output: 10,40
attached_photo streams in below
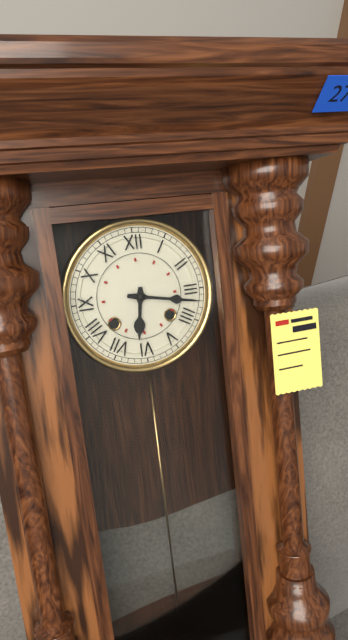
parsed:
6,17
